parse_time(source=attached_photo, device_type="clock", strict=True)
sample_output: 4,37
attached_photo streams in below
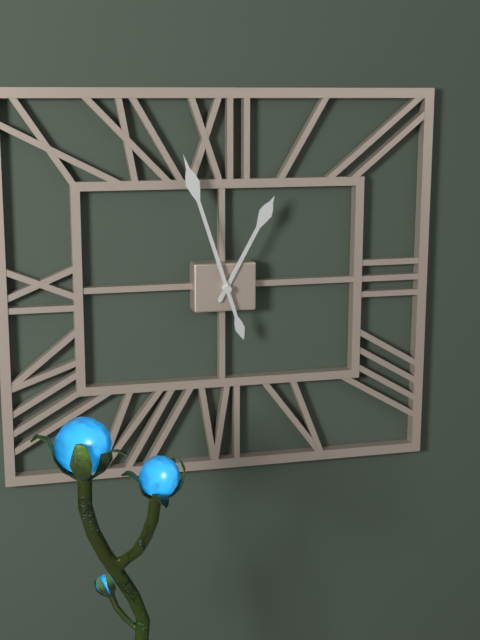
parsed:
12,57
